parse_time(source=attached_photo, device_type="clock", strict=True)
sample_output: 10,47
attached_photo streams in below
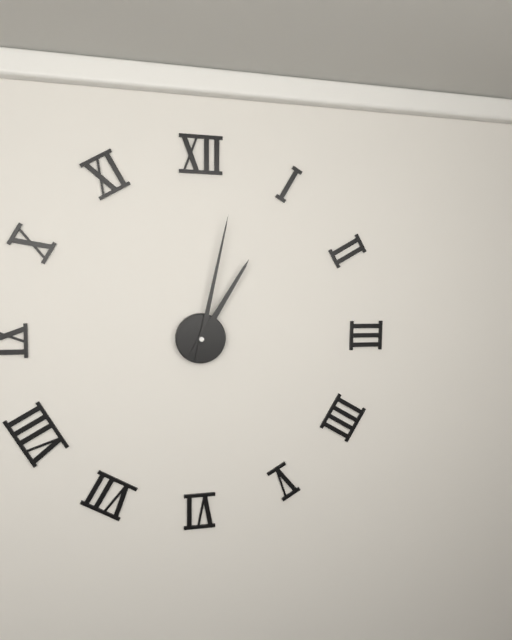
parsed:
1,02
